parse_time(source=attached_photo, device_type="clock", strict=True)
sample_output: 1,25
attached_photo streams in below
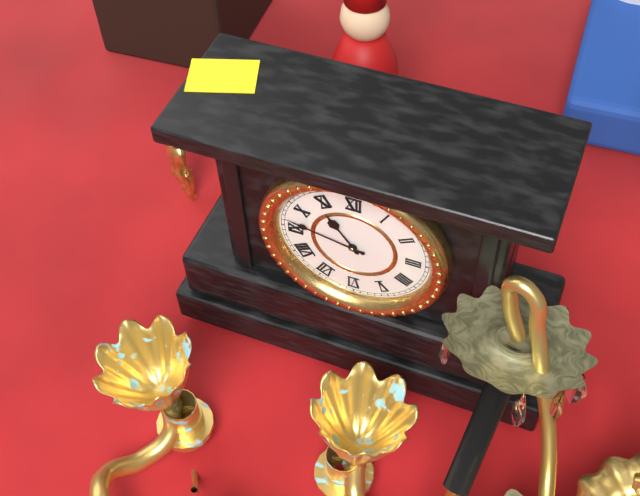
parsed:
10,47
